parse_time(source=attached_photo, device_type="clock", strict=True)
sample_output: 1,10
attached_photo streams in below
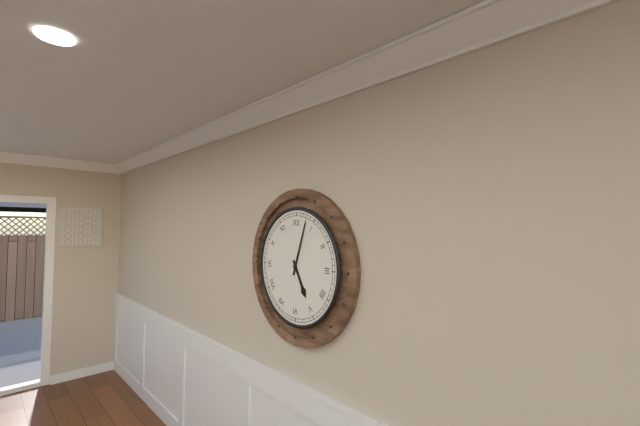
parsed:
5,03
